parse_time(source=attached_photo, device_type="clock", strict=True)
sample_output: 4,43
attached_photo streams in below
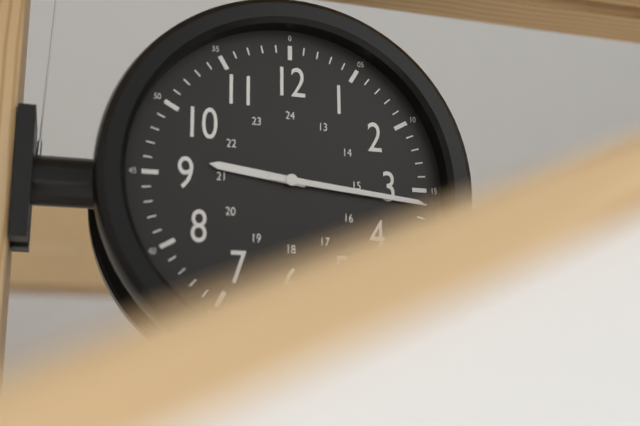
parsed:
9,16
